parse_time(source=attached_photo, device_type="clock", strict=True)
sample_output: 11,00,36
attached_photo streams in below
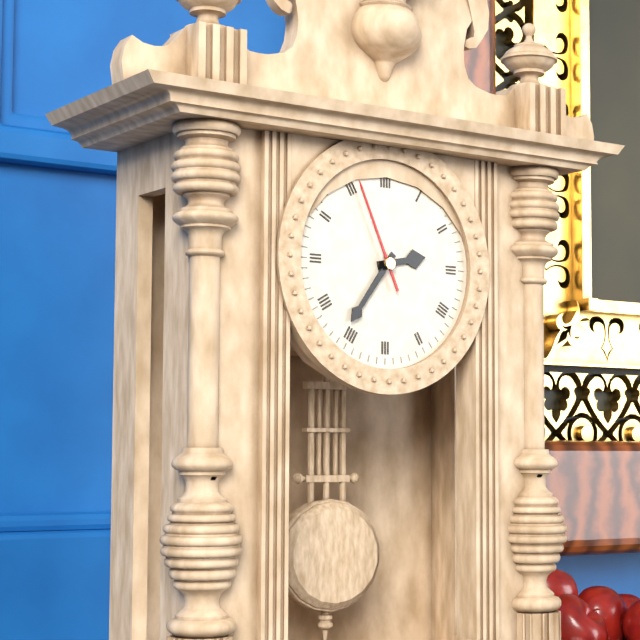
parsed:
2,36,56
